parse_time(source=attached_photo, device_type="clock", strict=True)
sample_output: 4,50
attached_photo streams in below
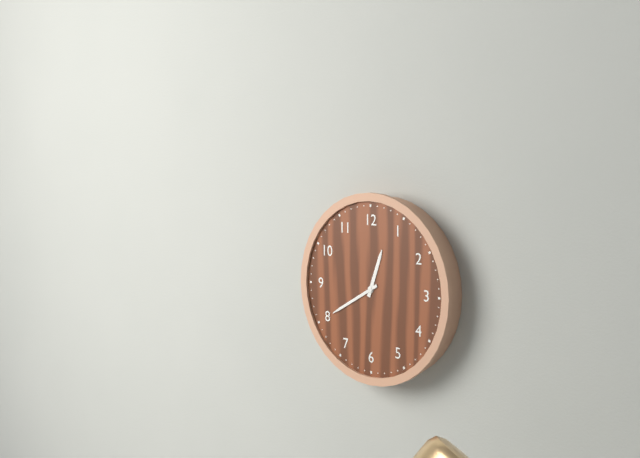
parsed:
12,40
